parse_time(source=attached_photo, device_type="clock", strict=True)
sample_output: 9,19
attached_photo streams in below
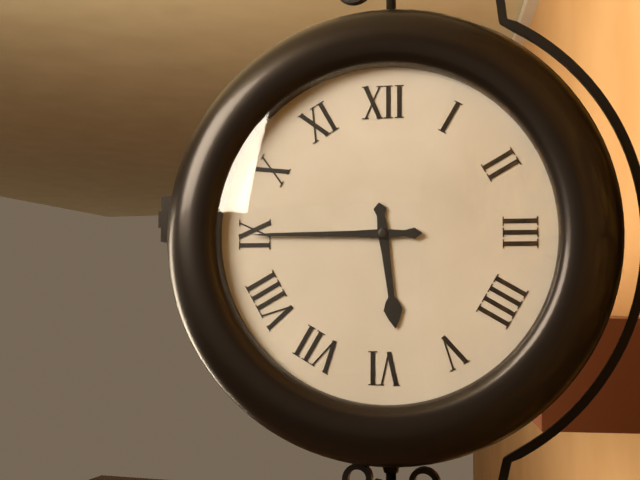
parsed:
5,45
